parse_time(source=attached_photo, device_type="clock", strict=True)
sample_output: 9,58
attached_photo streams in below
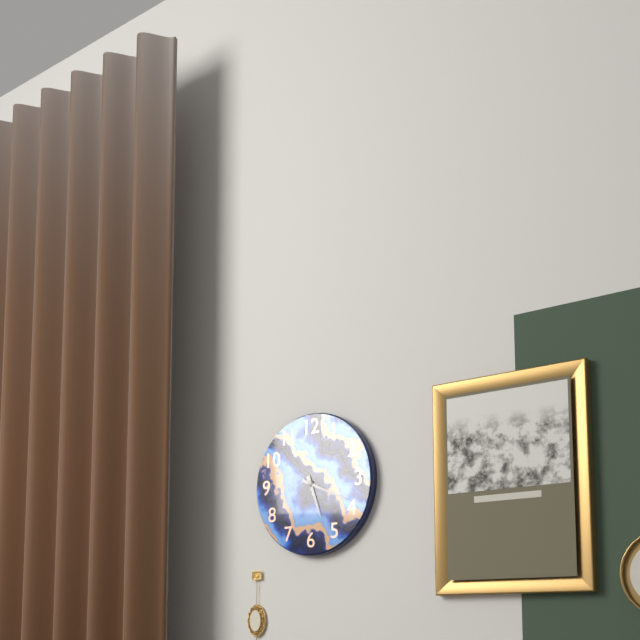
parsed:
5,19
